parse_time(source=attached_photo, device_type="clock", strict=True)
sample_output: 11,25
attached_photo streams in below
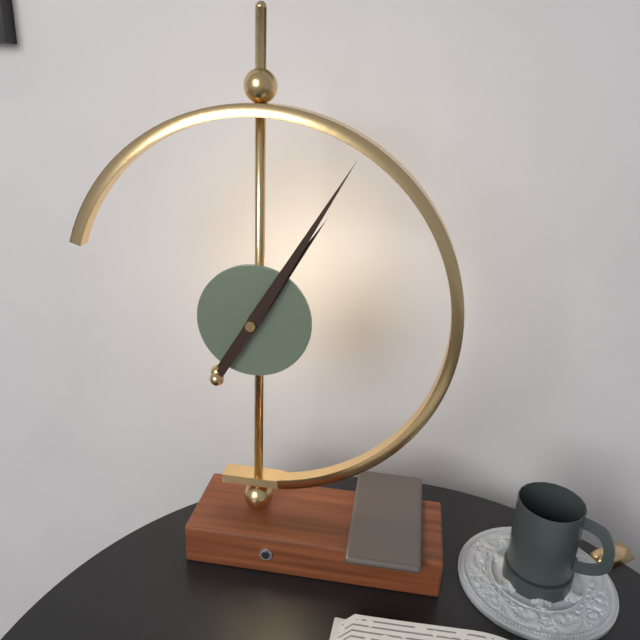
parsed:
1,05
